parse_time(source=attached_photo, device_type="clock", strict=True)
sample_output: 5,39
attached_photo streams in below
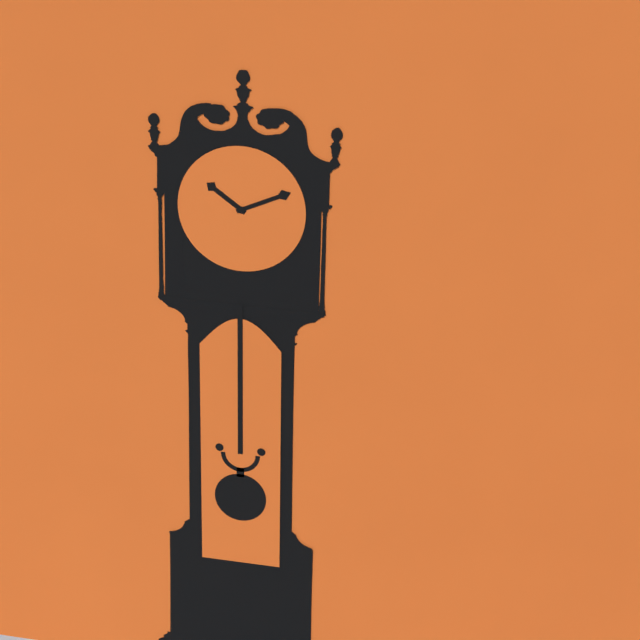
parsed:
10,11
